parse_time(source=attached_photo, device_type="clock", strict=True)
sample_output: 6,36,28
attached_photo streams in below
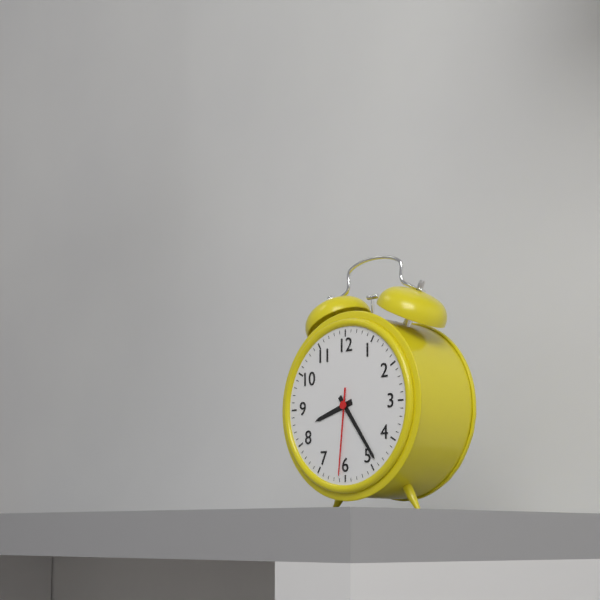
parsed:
8,24,31
